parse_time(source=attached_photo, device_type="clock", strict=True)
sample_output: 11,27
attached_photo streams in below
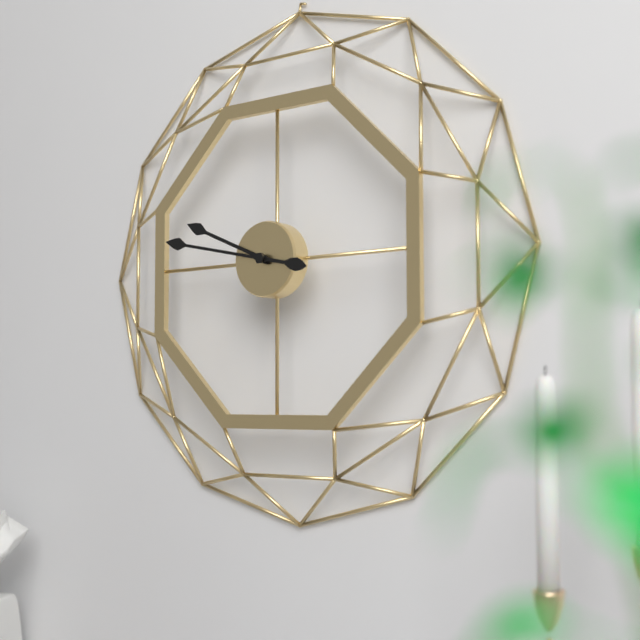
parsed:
9,47
